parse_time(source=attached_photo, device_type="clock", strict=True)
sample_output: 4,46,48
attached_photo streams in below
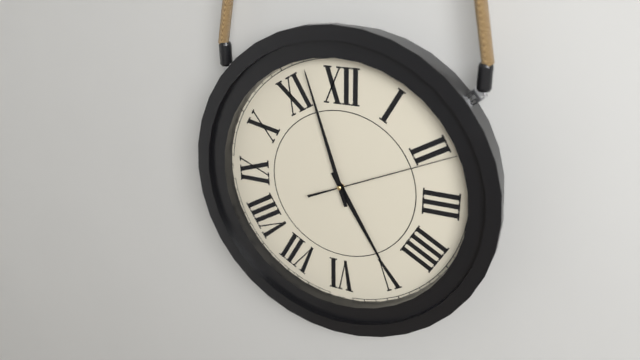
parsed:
4,57,11
